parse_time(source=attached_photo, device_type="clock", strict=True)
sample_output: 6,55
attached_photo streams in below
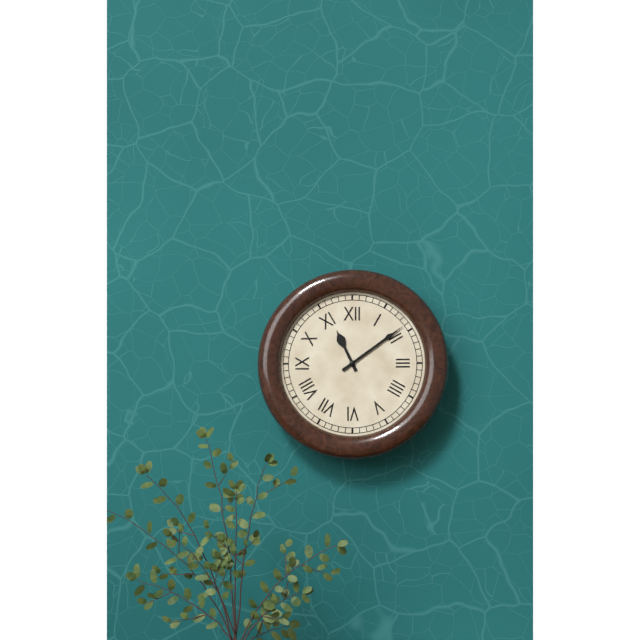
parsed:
11,09
